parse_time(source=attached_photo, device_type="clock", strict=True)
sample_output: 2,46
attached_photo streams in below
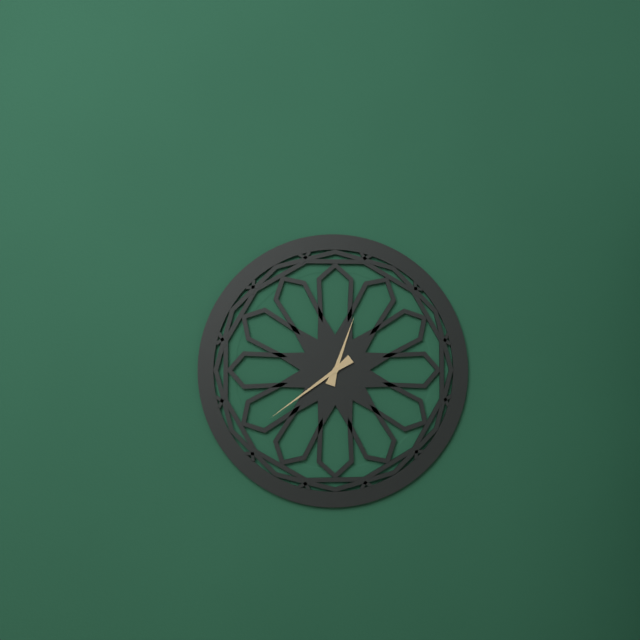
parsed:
12,39
